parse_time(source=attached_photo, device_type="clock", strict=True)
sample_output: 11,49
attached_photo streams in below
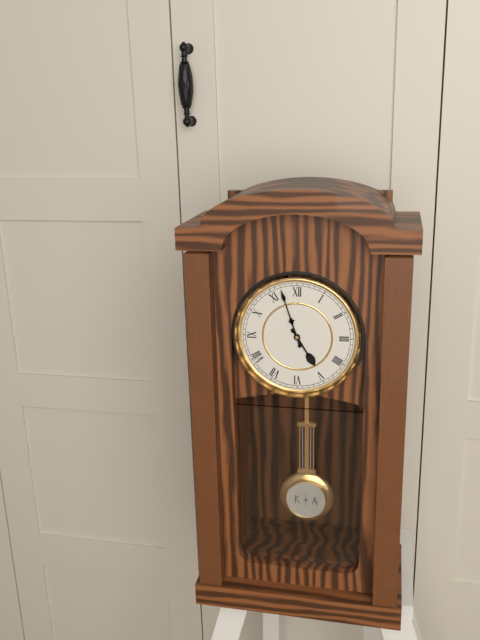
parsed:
4,57
